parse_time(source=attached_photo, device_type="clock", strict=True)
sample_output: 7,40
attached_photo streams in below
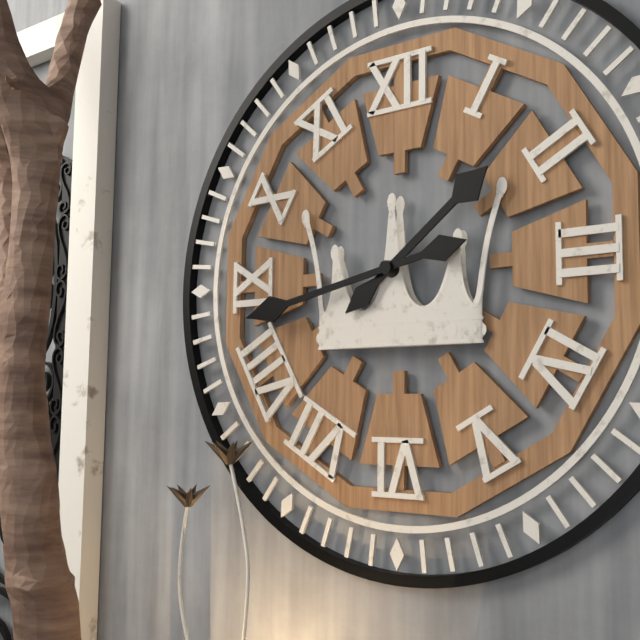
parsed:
1,43
